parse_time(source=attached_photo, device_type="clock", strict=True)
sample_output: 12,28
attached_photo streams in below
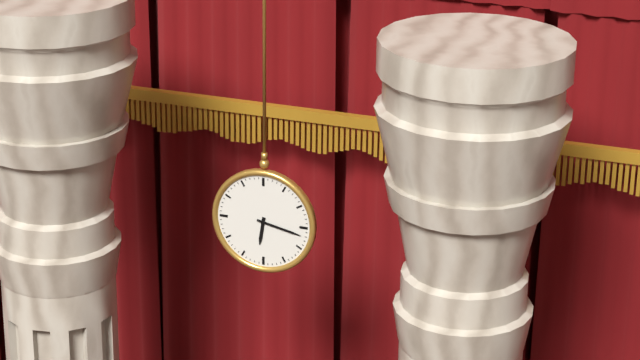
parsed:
6,17
